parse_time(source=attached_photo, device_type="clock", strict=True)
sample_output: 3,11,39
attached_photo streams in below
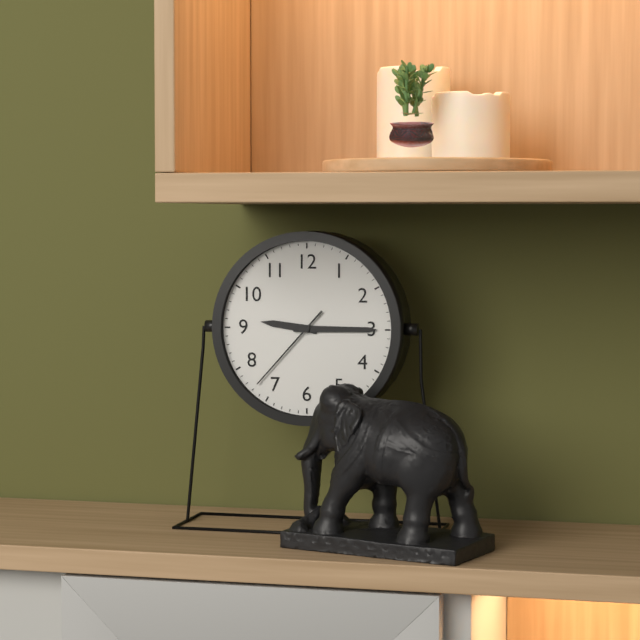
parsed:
9,15,37
